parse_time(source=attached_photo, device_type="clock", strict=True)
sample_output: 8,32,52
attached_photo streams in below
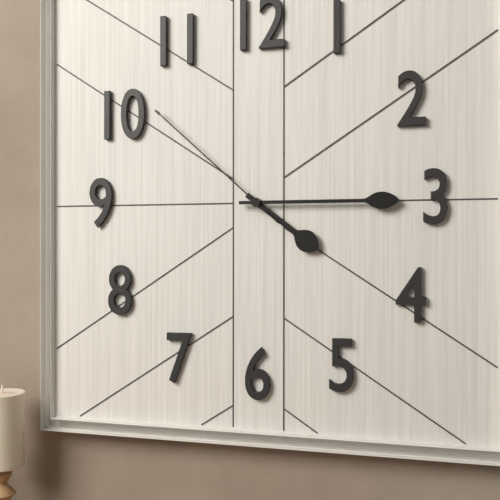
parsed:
4,15,52
